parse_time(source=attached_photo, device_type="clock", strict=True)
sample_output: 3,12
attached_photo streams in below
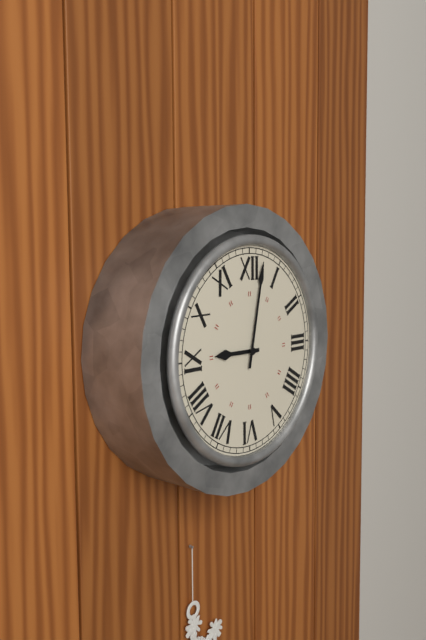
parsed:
9,02
